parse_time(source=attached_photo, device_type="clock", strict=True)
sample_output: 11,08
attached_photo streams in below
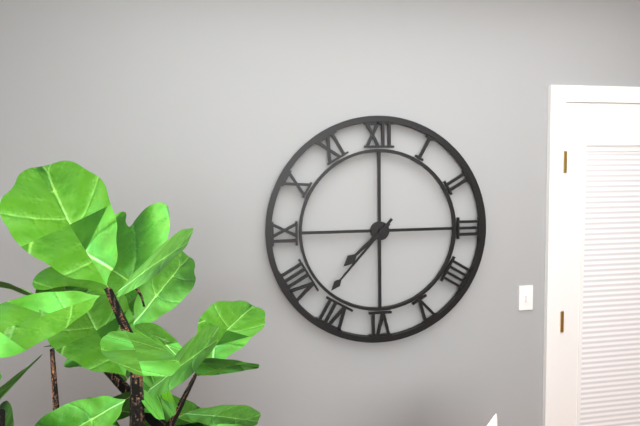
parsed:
7,37
